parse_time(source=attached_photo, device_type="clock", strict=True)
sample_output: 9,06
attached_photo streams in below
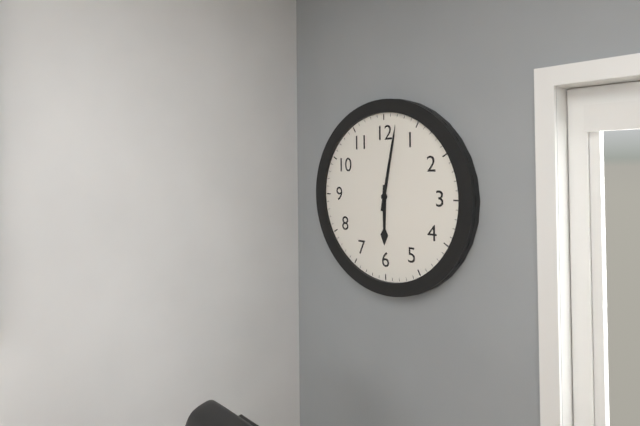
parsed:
6,02
